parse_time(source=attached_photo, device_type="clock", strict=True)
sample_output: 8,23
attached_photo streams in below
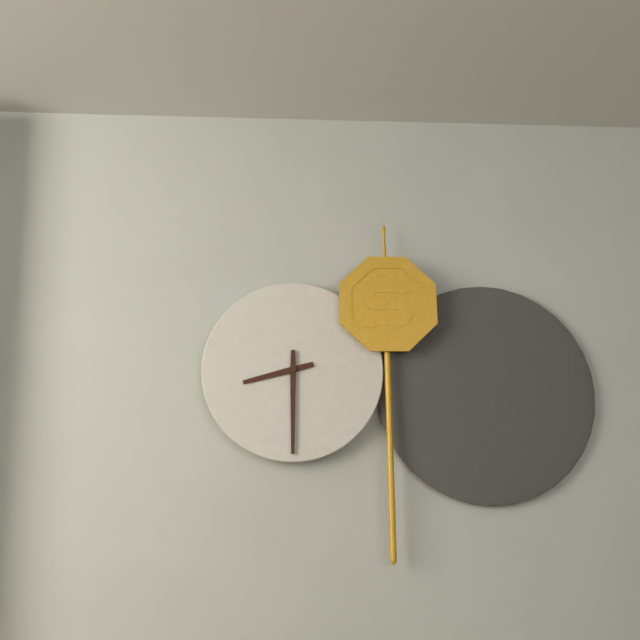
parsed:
8,30
